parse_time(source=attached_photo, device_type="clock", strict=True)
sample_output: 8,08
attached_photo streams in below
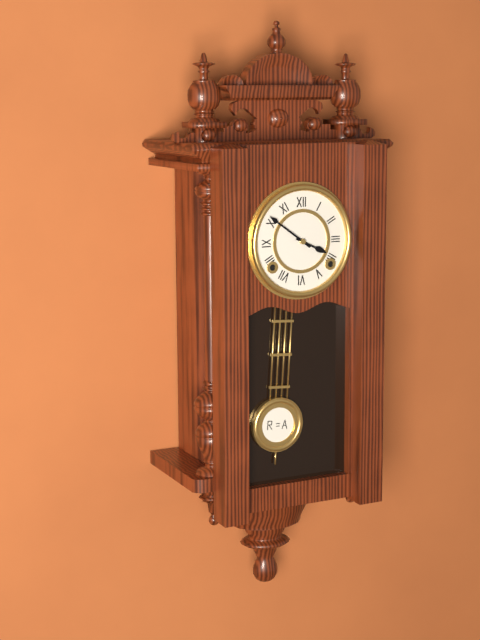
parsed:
3,51
